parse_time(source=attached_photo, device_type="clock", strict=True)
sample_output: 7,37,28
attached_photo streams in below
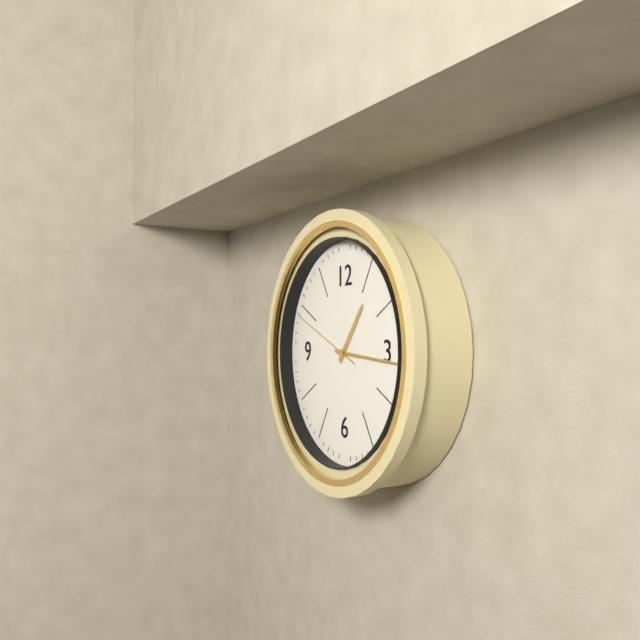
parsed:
1,16,49
